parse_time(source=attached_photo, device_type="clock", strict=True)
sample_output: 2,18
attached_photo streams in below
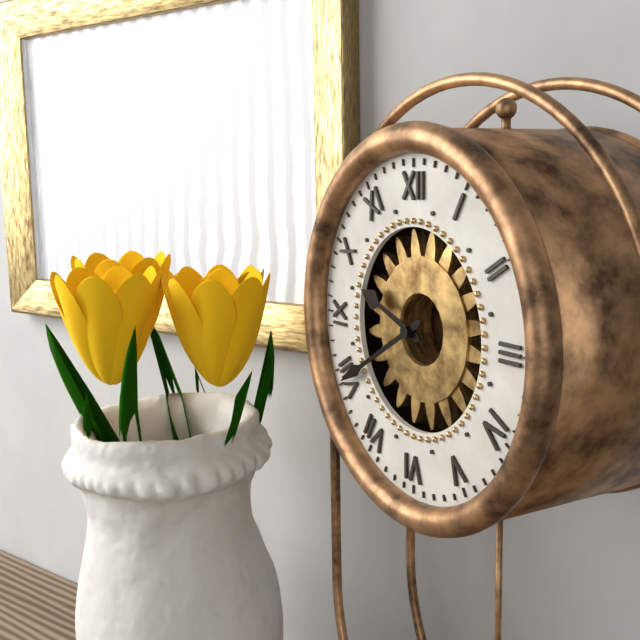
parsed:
9,40
